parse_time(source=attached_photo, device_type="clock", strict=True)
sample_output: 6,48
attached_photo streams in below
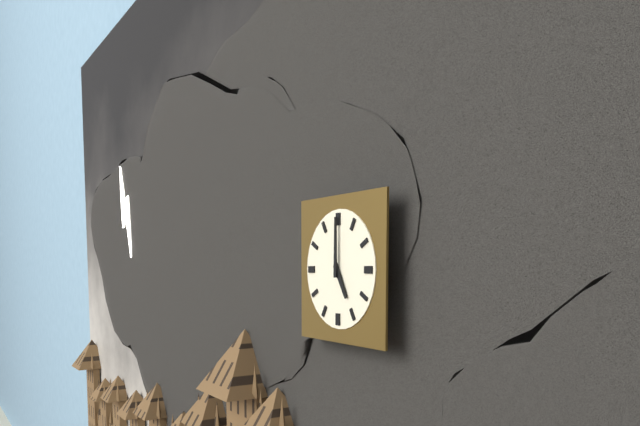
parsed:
5,00
